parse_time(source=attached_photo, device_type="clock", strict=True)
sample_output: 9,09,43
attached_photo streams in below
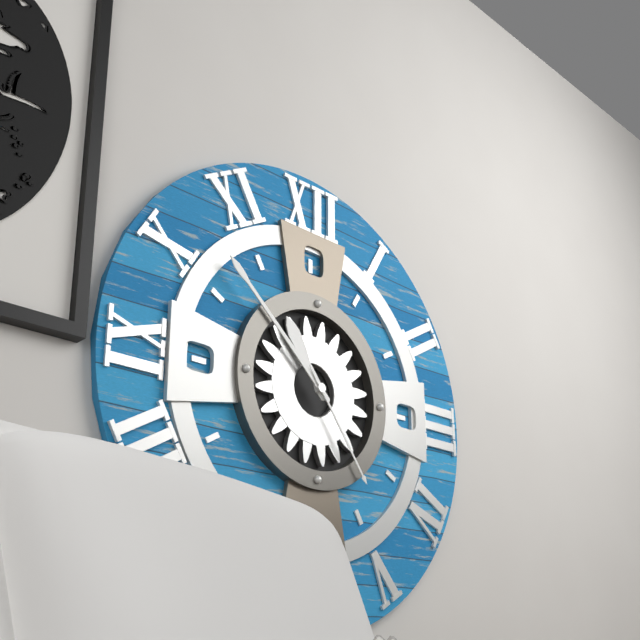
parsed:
10,52,24
